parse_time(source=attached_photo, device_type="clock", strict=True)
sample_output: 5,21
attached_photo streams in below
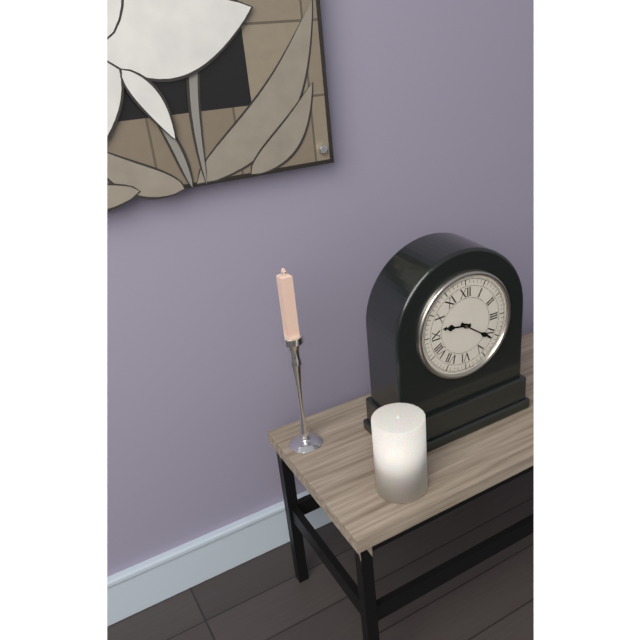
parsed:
9,21
